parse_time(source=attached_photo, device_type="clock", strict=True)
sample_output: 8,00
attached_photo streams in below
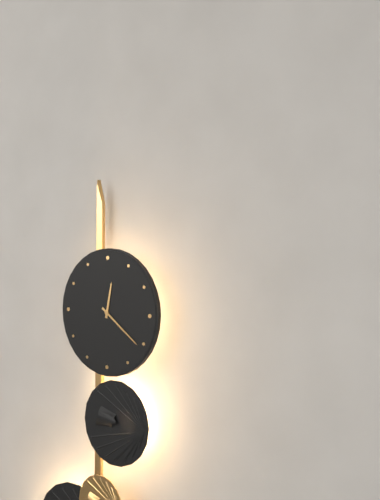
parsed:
12,21
